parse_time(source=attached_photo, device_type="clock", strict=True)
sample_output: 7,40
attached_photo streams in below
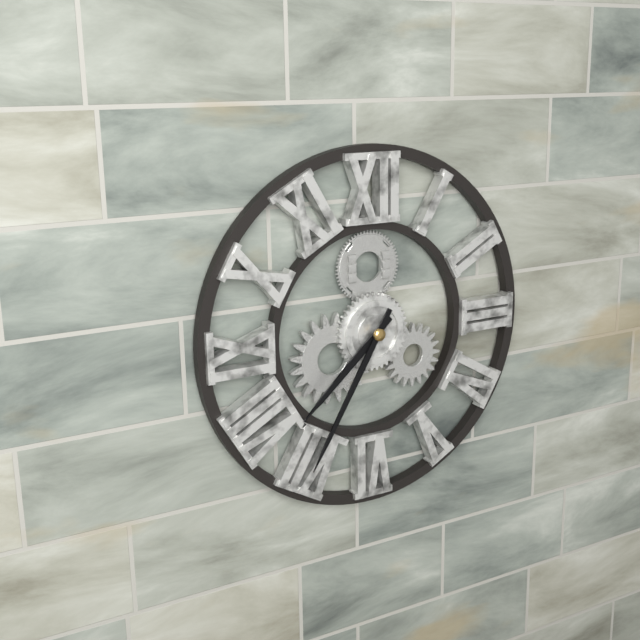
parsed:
7,35
